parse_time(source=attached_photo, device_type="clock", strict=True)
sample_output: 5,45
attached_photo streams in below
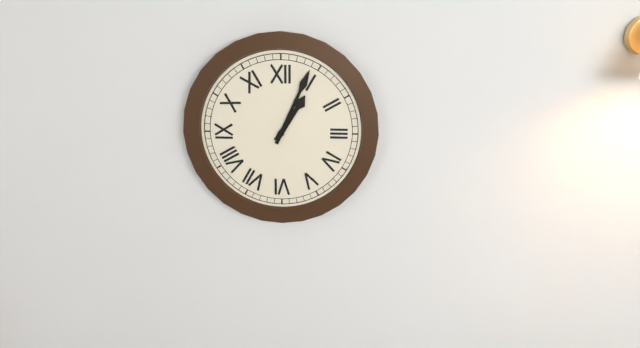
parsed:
1,04
